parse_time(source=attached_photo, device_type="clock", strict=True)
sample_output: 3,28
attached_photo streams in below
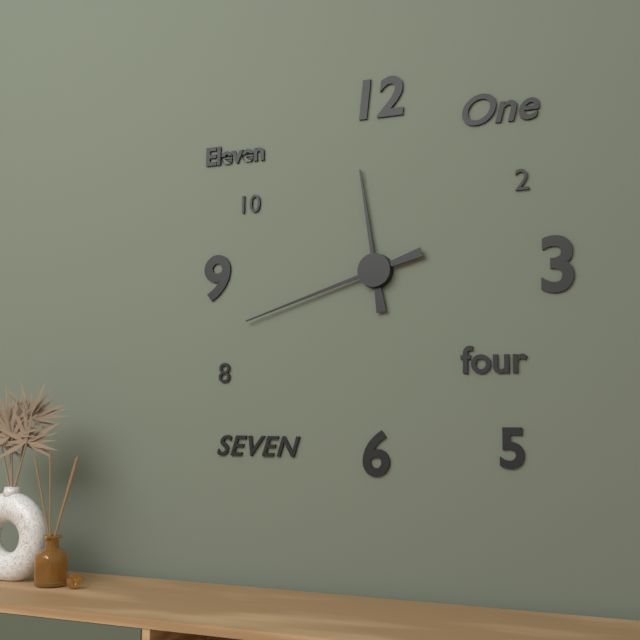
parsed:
11,42
